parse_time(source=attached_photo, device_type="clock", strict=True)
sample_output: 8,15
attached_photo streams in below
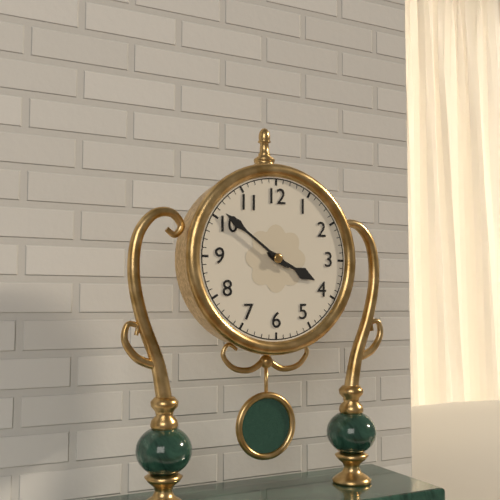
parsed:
3,51
